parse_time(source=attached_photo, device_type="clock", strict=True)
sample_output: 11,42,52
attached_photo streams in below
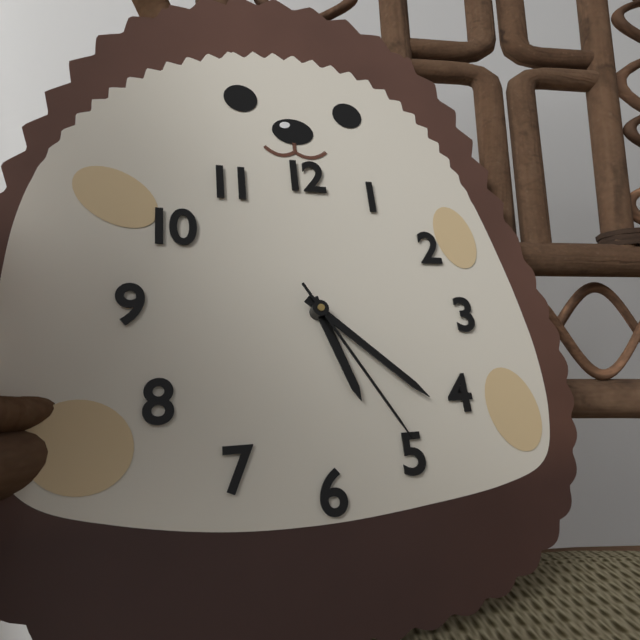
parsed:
5,22,25
